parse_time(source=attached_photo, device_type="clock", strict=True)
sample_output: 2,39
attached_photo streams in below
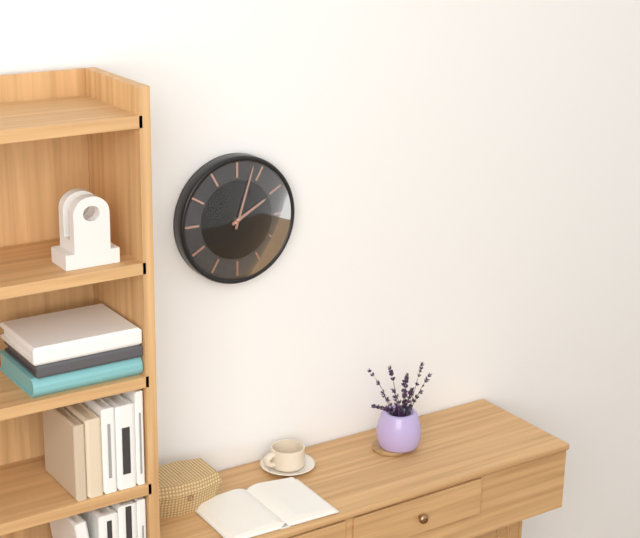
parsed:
2,03
